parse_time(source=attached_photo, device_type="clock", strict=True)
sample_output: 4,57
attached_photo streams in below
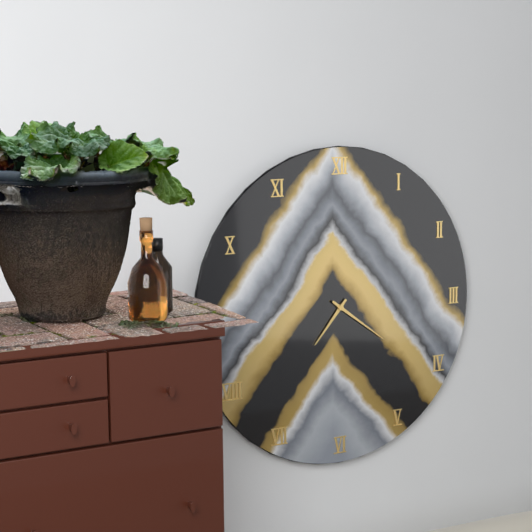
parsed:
7,21
